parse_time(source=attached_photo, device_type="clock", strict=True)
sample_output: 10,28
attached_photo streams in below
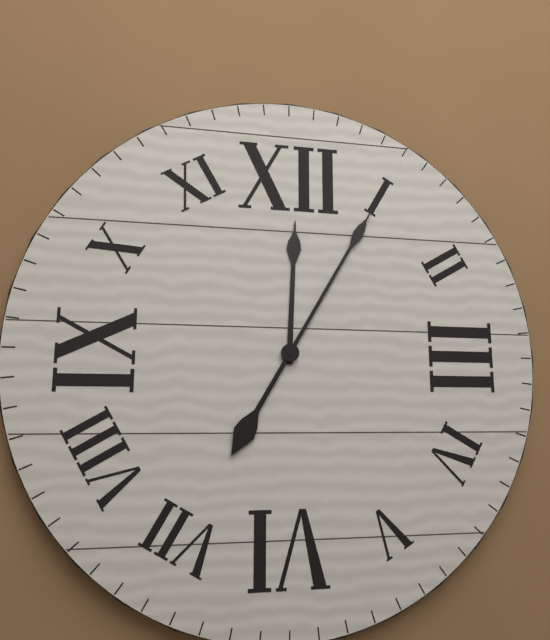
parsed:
12,05
